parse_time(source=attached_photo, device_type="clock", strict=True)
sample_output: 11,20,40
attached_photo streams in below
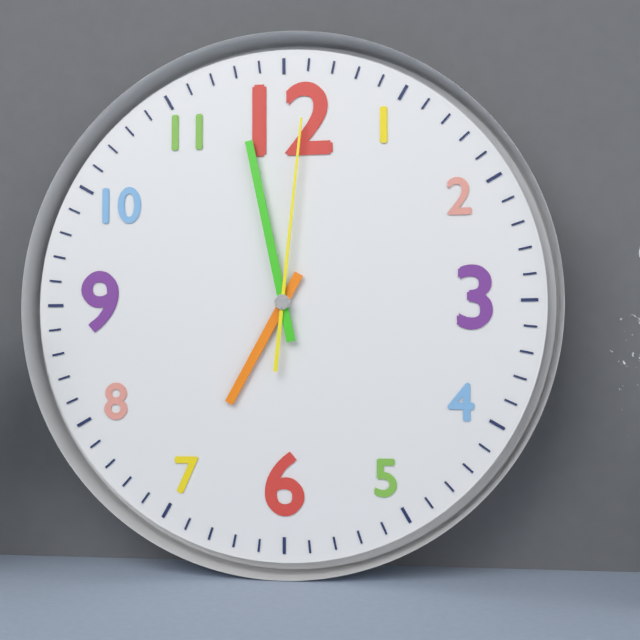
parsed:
6,58,01
